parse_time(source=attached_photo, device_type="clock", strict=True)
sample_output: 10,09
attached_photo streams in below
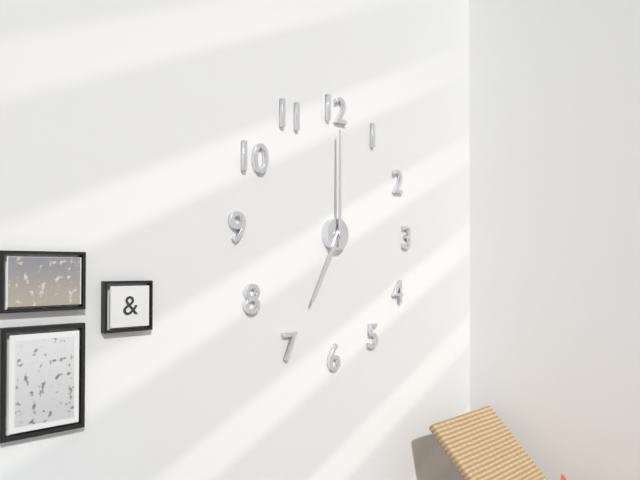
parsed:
7,00
